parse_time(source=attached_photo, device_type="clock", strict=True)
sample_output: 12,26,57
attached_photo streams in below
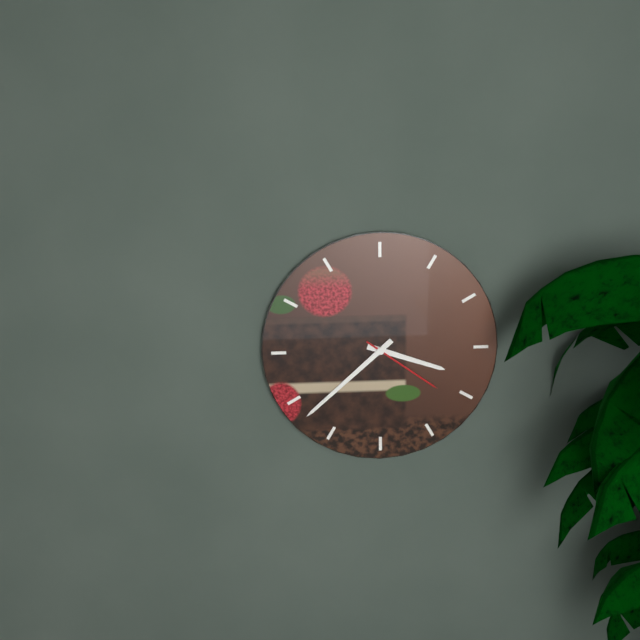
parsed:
3,38,21
